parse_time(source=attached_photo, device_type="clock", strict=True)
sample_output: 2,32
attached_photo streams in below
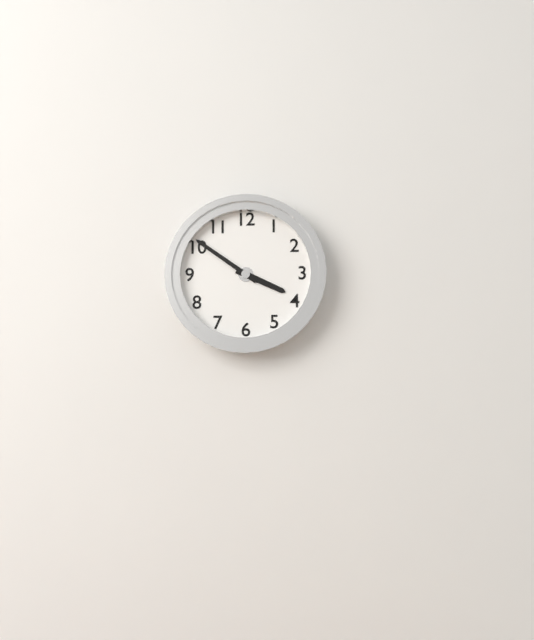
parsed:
3,51
